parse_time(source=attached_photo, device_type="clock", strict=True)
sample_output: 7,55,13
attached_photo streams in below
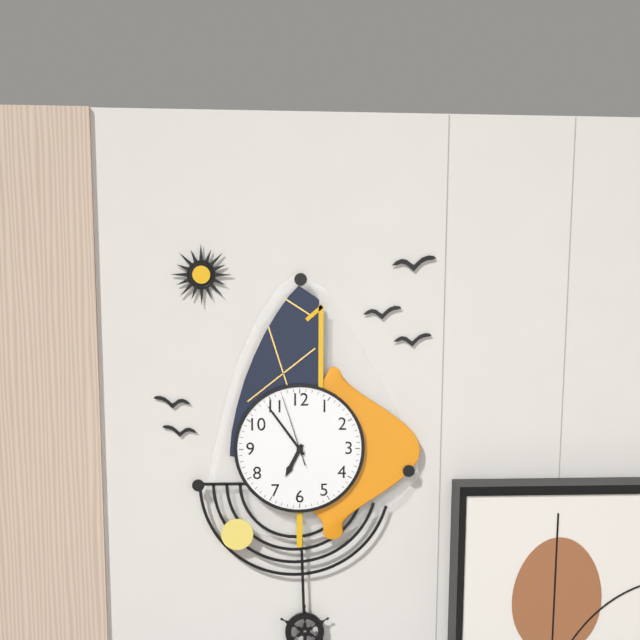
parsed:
6,54,57
